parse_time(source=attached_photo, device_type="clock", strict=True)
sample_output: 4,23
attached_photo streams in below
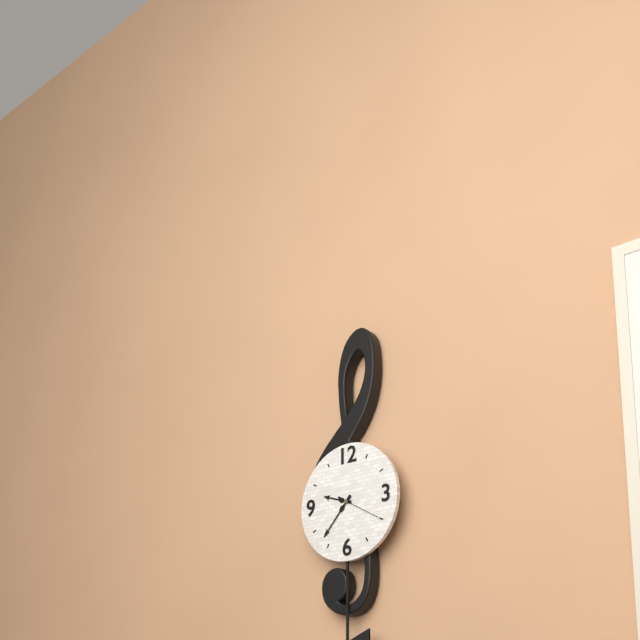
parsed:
9,37
